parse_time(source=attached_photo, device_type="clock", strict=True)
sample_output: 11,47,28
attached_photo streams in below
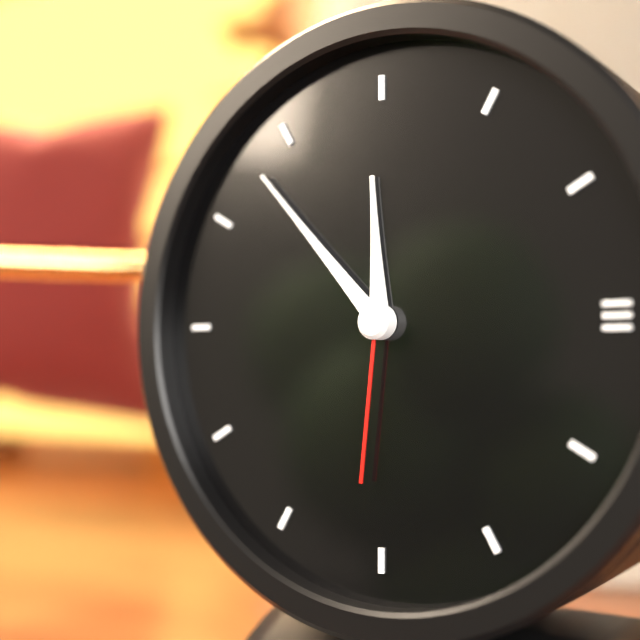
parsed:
11,53,31
